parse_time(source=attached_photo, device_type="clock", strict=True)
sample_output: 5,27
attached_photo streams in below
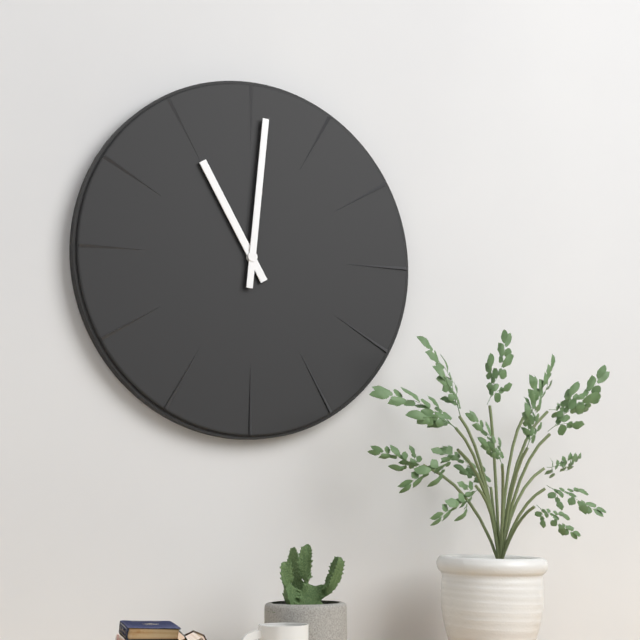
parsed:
11,01
